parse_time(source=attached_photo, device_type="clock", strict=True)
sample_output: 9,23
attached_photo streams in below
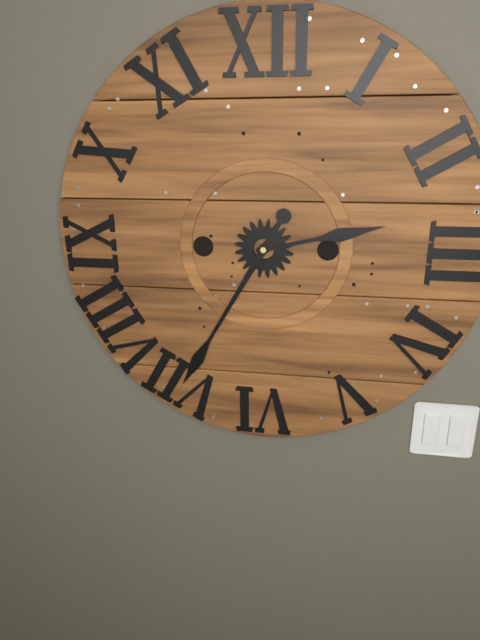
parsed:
2,35
